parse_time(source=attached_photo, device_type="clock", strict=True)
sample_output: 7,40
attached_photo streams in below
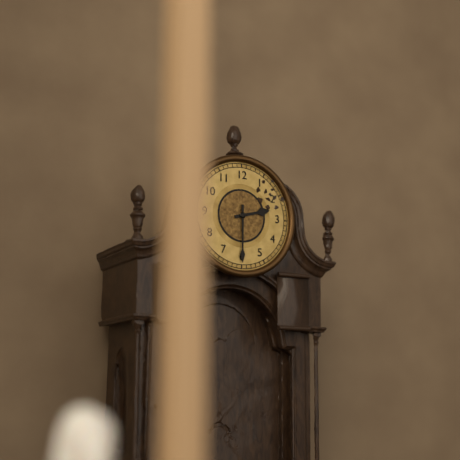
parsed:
2,30
